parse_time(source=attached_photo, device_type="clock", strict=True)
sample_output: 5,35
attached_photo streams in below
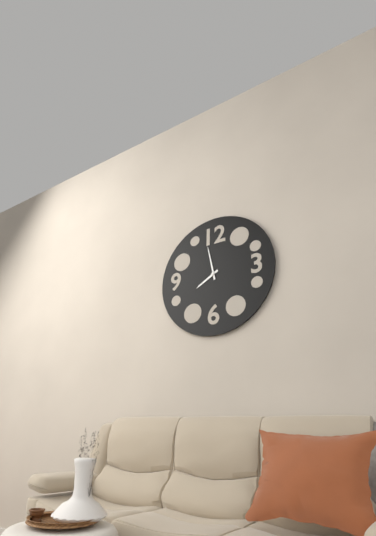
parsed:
7,58
